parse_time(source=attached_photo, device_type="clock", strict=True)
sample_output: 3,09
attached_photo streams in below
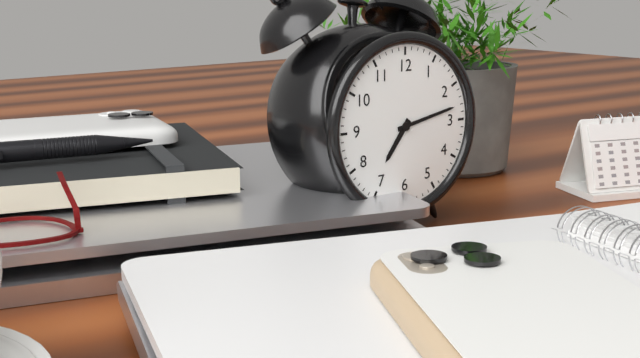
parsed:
7,13
